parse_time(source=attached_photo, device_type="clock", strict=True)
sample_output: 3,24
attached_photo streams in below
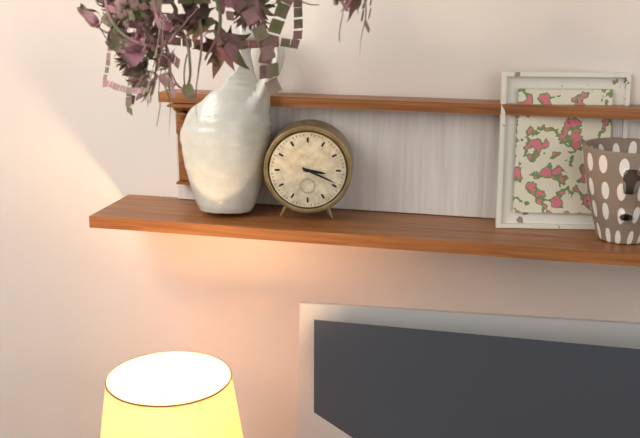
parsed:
3,19
